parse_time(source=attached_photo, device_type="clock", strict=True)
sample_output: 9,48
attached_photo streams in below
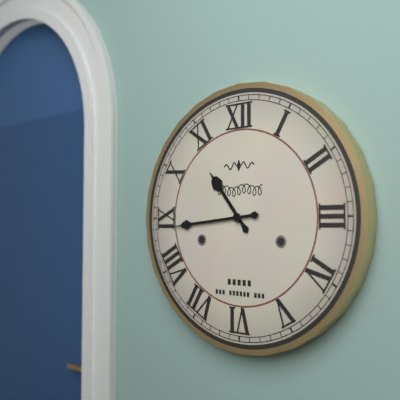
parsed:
10,44
